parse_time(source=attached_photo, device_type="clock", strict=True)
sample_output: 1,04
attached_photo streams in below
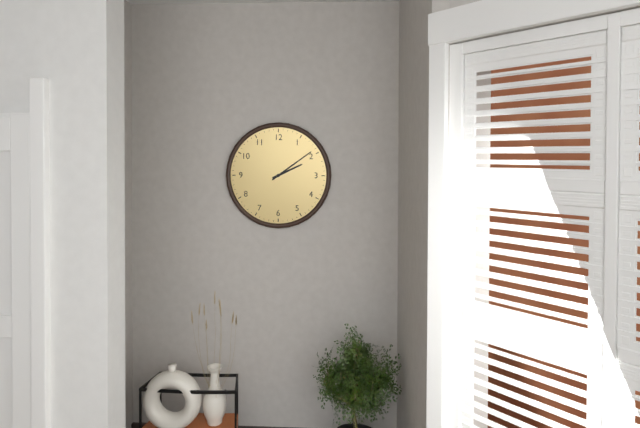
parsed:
2,09
